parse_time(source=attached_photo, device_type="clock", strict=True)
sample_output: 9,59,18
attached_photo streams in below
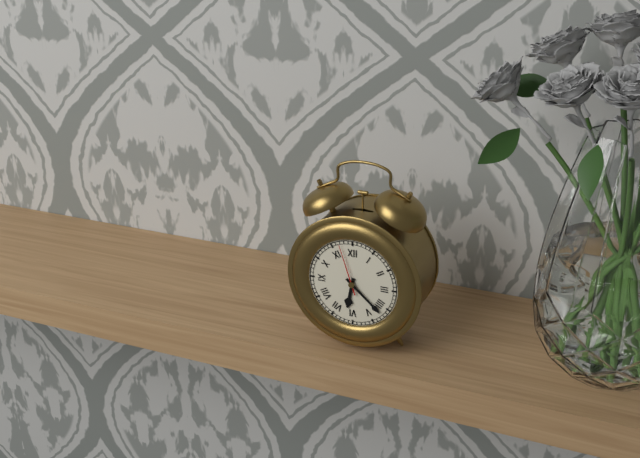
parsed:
6,22,57
